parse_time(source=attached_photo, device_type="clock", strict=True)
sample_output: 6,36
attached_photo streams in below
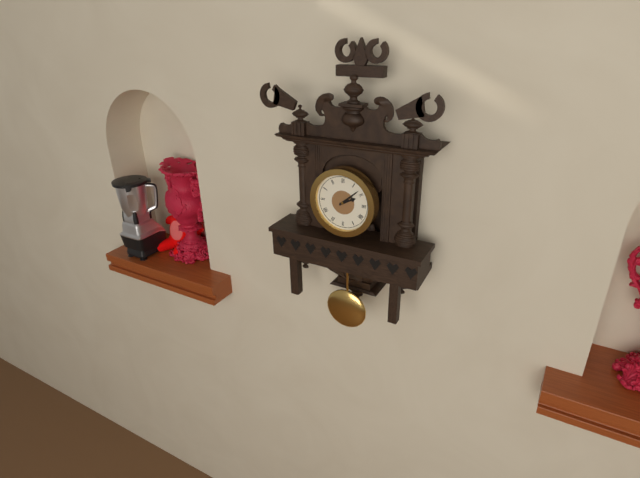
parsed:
2,08
